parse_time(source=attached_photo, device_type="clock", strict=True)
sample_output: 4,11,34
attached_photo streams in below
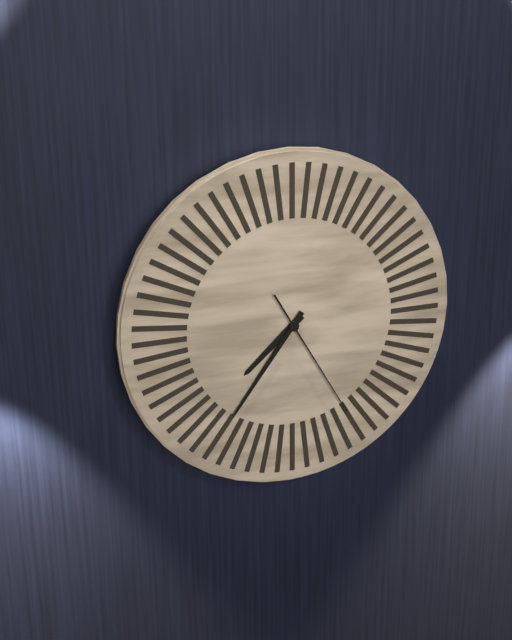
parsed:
7,36,25
